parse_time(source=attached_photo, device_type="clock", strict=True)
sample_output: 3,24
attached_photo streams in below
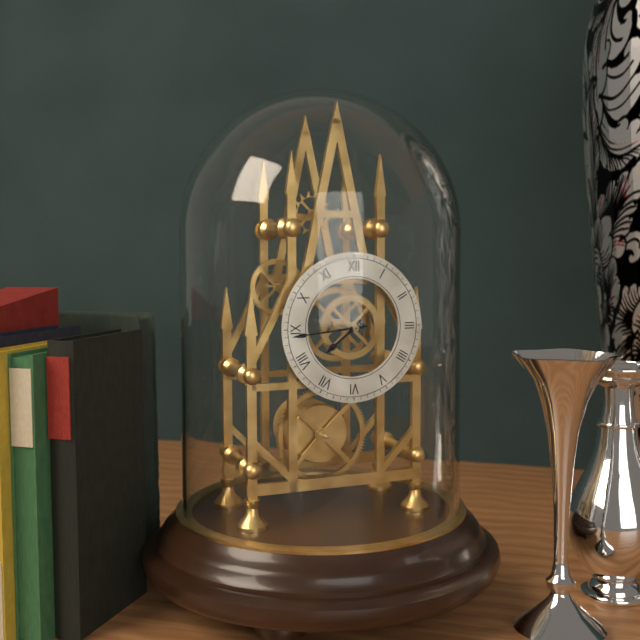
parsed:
7,44
